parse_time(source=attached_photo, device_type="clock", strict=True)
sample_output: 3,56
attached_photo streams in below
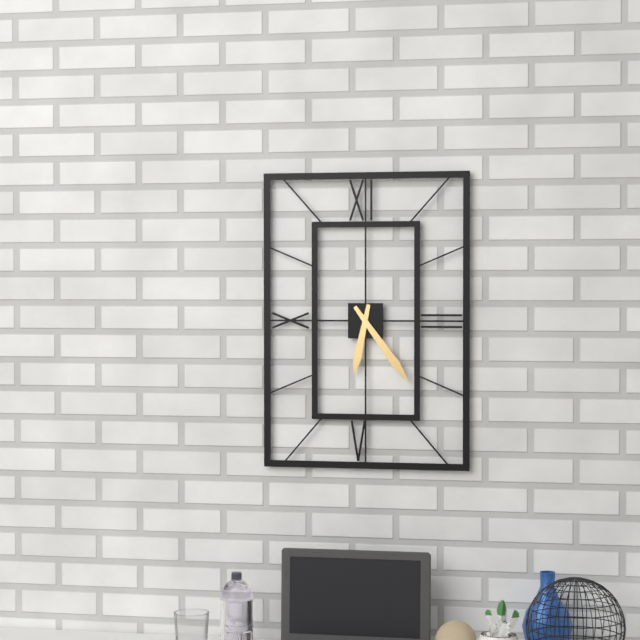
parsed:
6,24
